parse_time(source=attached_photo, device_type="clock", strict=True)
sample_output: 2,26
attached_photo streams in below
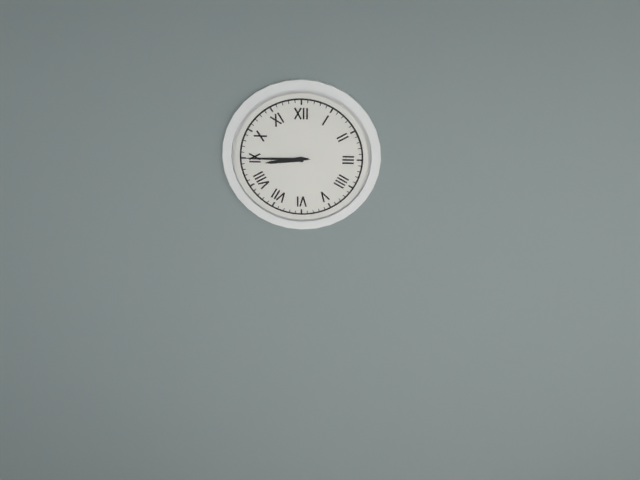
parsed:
8,45
